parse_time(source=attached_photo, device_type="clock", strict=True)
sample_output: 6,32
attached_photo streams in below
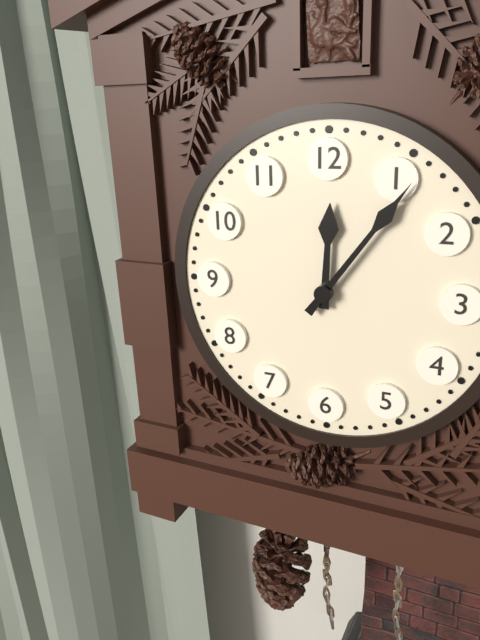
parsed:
12,06
